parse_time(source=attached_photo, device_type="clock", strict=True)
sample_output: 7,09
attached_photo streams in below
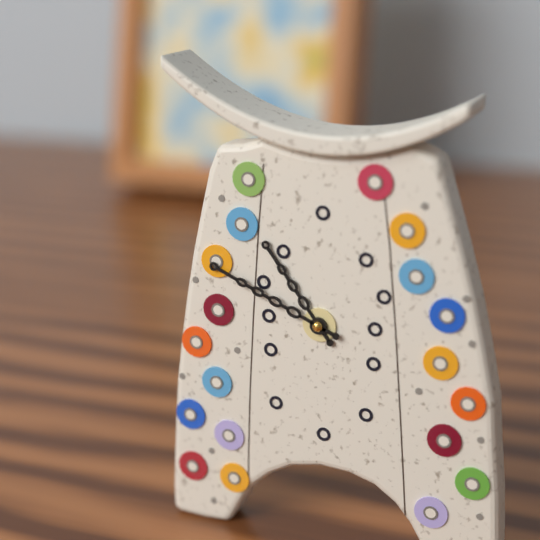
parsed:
10,49
